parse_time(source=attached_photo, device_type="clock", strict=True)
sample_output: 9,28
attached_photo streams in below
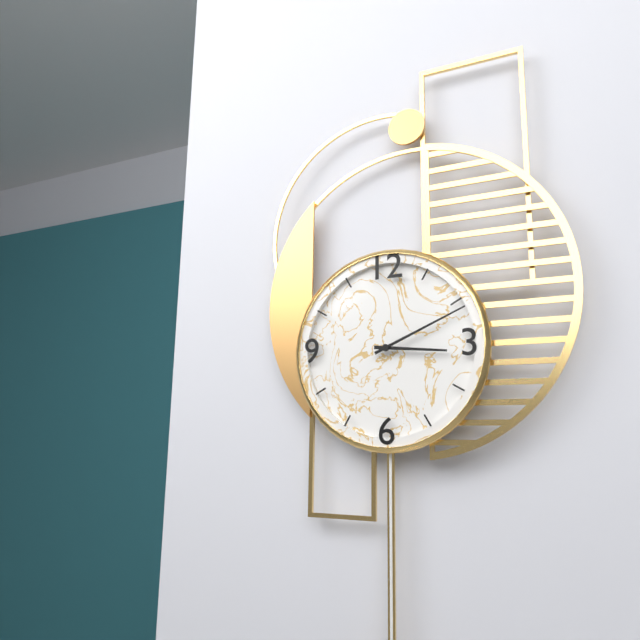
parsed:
3,11
